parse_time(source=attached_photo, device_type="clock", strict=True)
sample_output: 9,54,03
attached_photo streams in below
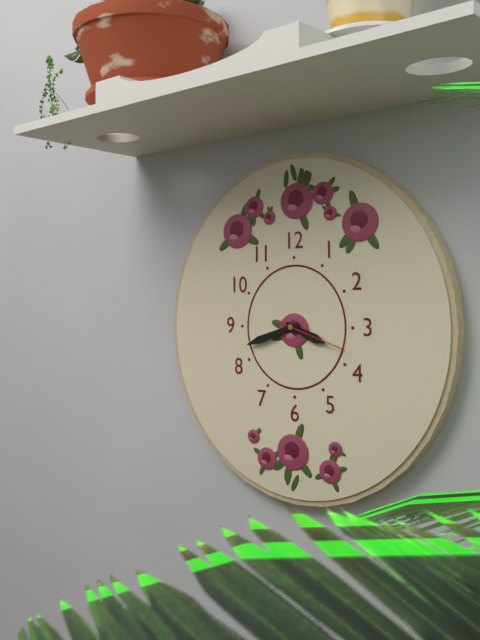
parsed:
3,42,18
